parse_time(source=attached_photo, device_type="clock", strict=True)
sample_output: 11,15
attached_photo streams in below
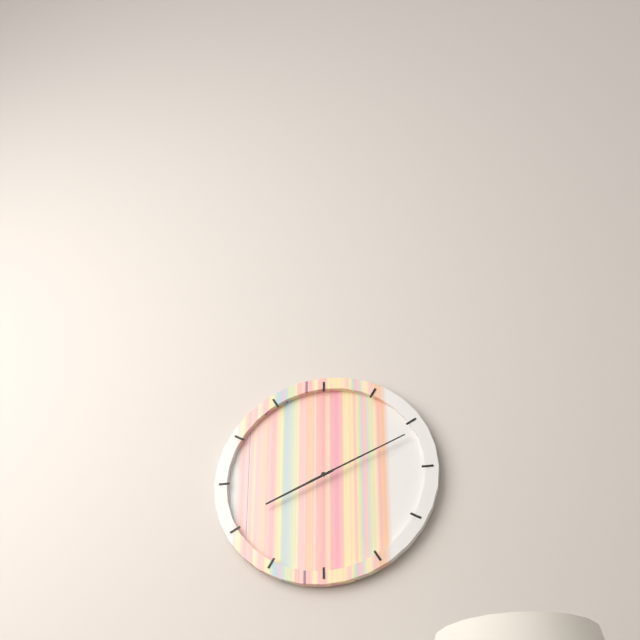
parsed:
8,11
